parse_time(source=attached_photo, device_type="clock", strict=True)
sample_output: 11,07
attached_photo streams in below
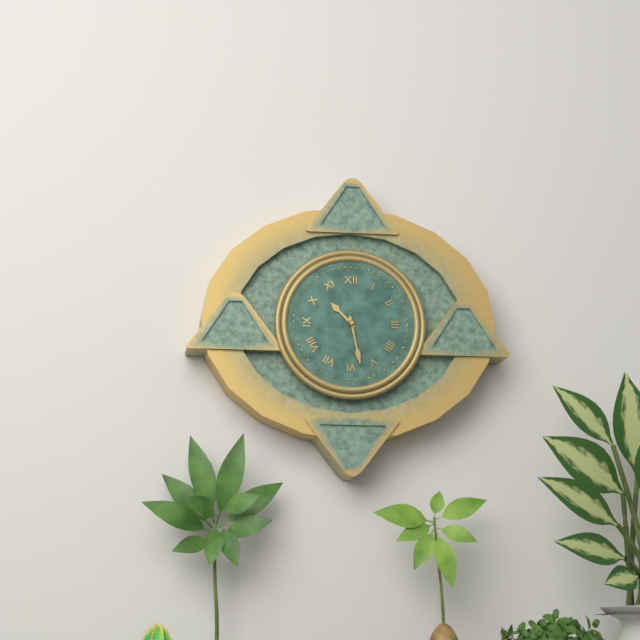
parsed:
10,28
